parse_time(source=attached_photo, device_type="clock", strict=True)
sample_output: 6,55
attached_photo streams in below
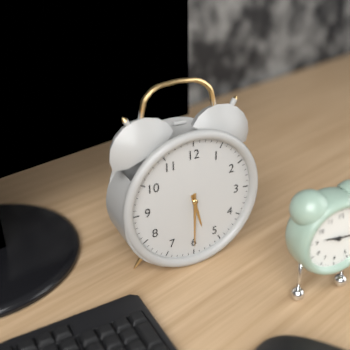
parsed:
5,30
